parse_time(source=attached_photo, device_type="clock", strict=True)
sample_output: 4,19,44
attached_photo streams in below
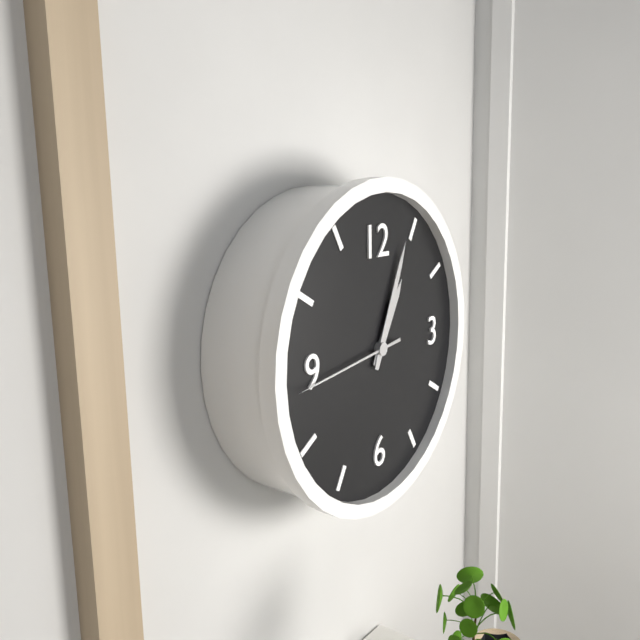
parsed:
1,04,44
